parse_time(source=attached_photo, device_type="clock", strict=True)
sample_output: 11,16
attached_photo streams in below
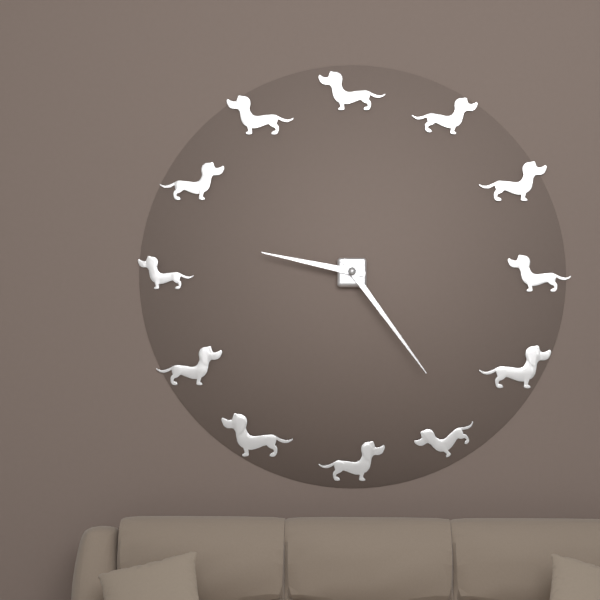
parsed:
9,24
